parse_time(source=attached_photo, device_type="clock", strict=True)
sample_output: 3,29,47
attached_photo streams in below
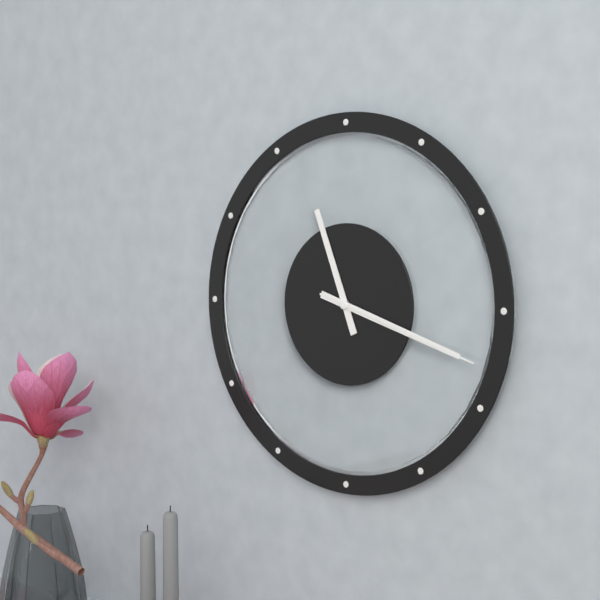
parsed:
11,18,18
